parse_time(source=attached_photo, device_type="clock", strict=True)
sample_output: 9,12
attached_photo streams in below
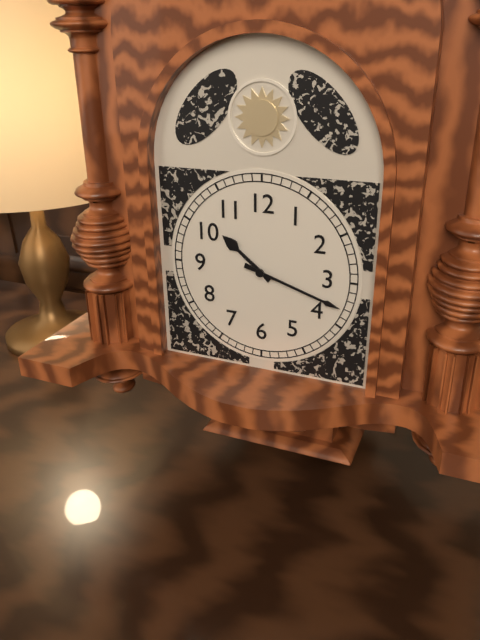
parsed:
10,18
